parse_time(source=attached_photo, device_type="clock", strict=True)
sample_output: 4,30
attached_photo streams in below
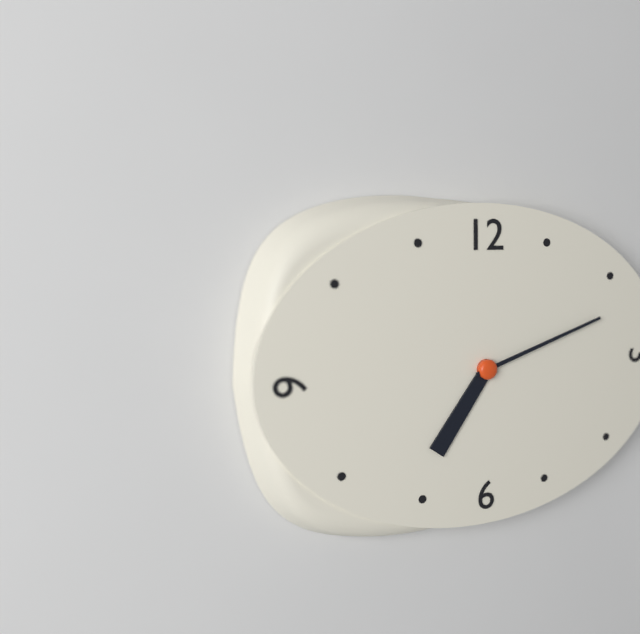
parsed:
7,12
